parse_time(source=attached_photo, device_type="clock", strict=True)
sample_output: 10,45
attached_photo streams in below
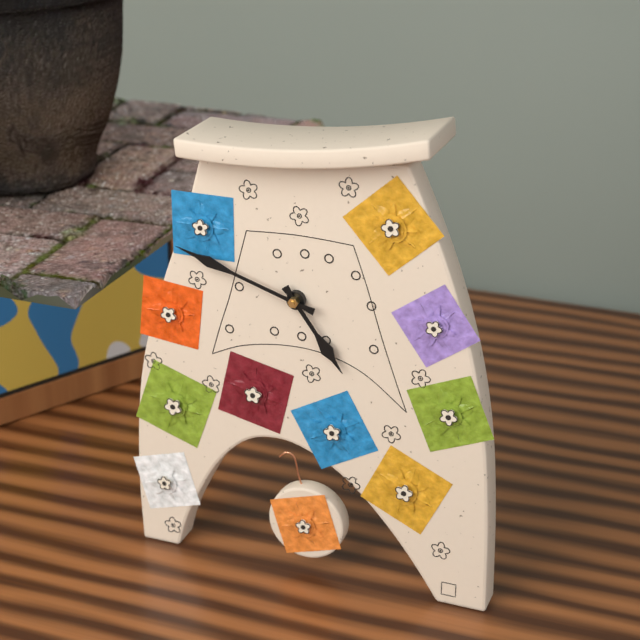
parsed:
4,48
